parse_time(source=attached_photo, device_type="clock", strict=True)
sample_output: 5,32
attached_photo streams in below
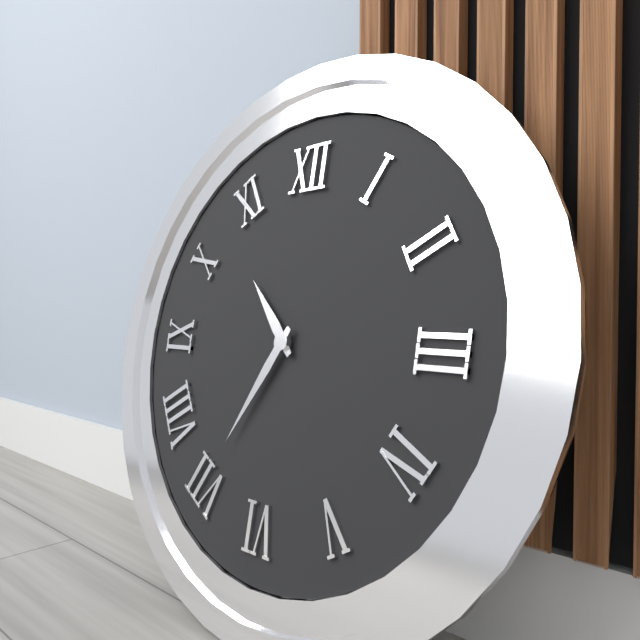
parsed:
10,35
